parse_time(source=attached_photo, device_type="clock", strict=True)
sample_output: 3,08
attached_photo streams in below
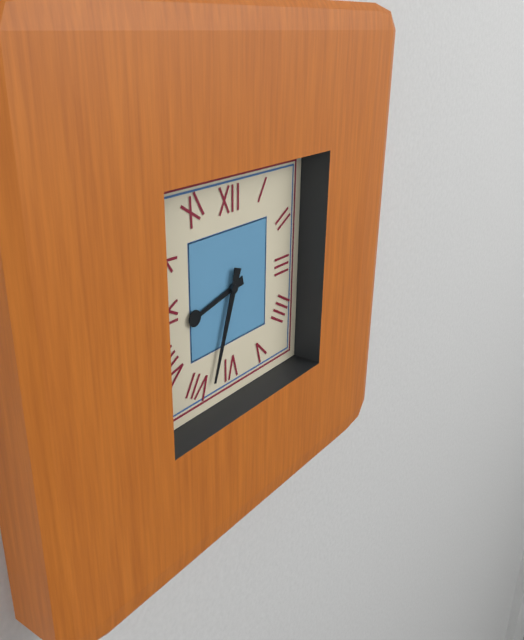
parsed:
8,33
